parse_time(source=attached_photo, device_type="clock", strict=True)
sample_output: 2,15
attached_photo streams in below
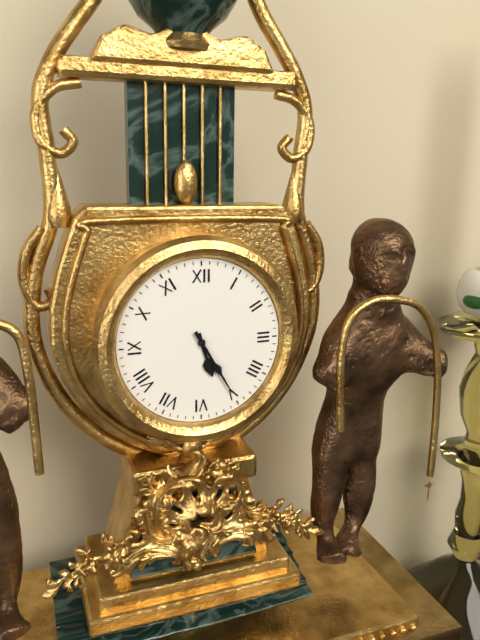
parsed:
5,25
